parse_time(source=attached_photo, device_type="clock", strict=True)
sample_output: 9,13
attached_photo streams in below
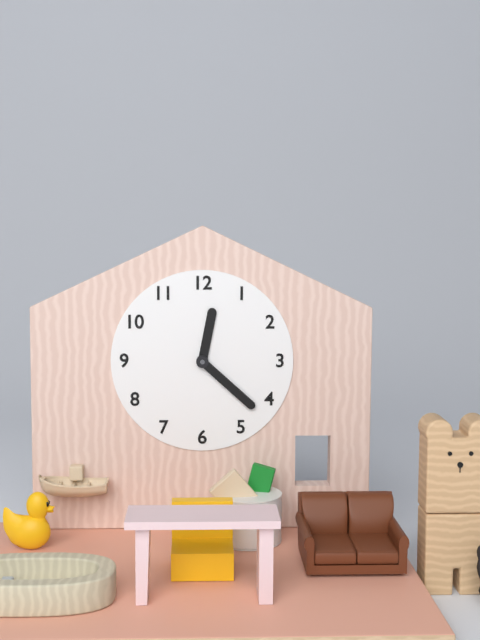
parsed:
12,22
